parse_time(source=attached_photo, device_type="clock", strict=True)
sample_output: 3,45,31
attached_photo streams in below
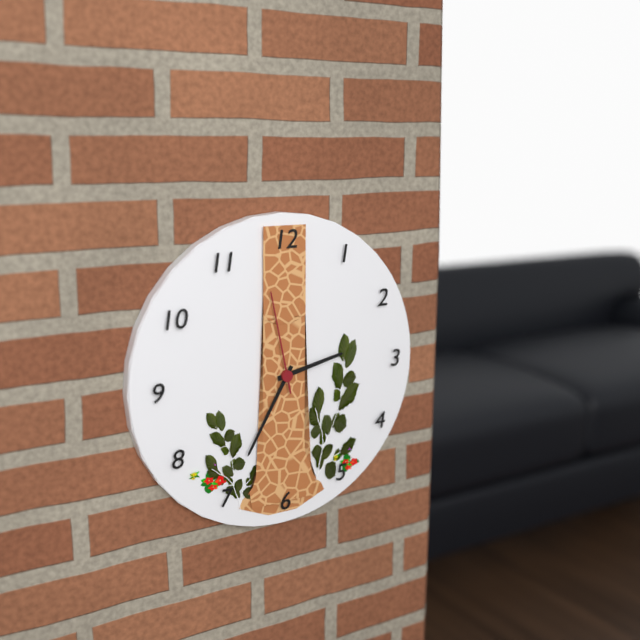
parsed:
2,35,58
